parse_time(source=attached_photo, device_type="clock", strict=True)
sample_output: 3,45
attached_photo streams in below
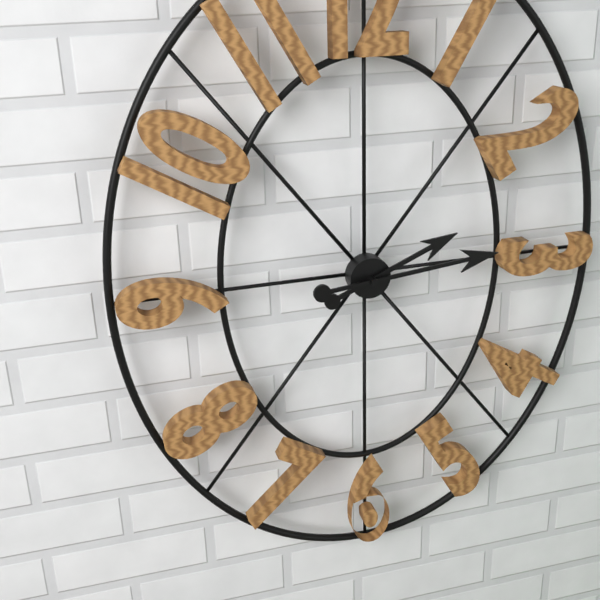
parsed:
2,14
